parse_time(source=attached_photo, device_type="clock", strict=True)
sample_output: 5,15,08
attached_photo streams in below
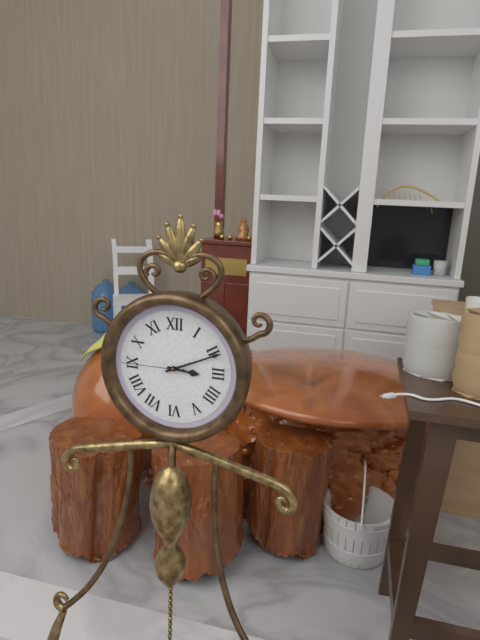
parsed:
3,11,45
